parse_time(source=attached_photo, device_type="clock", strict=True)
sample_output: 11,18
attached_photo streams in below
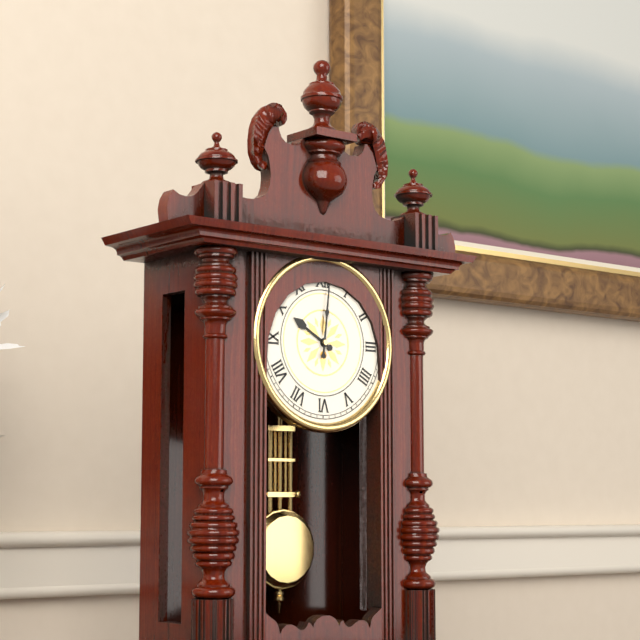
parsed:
10,01
